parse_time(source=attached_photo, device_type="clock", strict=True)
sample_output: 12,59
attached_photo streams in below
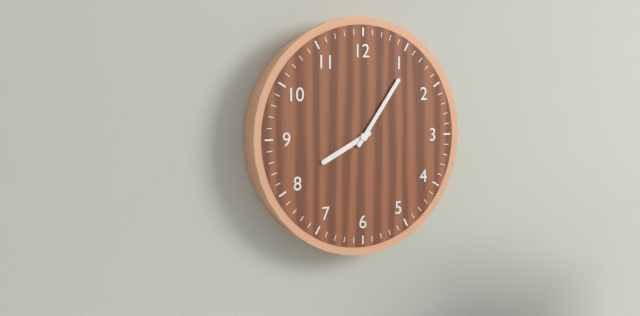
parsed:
8,06
